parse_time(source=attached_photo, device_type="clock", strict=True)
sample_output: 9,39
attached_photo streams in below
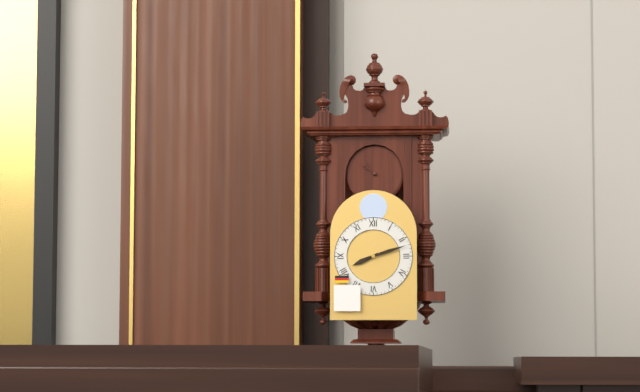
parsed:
8,12
